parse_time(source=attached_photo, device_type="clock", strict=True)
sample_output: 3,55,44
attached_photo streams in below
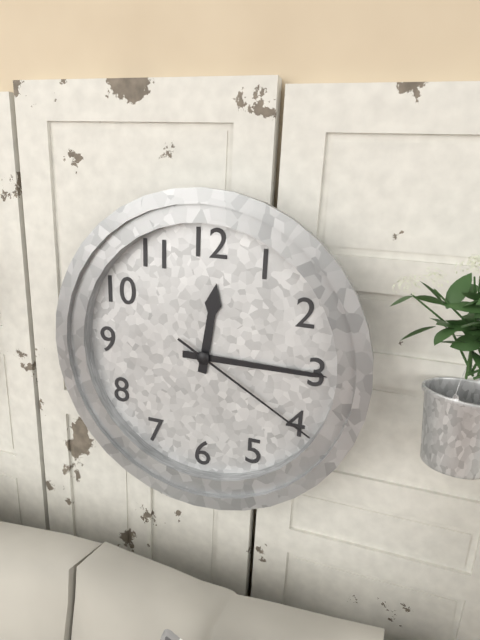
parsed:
12,15,20
